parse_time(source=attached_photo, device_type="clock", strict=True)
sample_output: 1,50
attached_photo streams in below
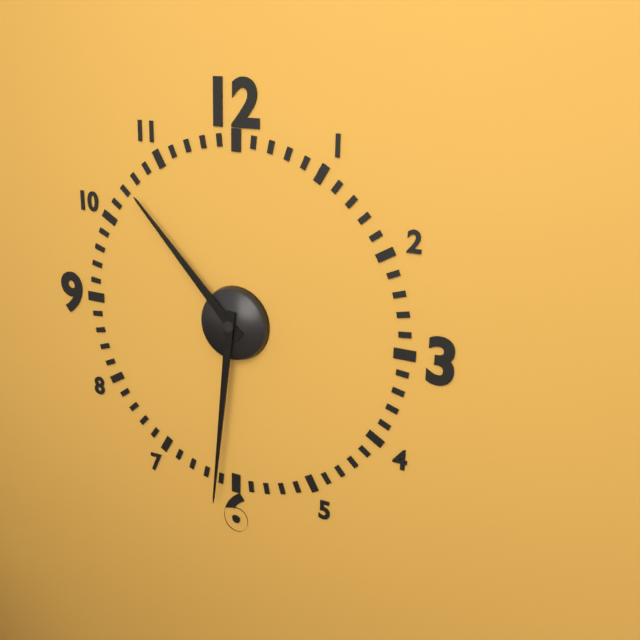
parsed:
10,31
